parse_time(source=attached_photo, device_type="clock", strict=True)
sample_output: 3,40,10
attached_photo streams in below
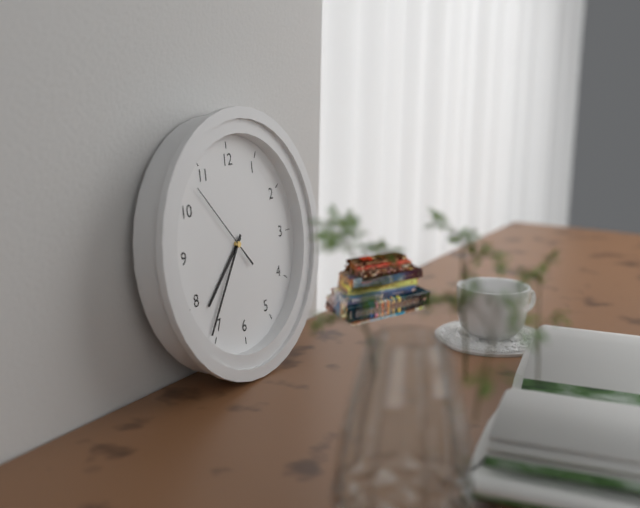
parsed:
7,36,53
